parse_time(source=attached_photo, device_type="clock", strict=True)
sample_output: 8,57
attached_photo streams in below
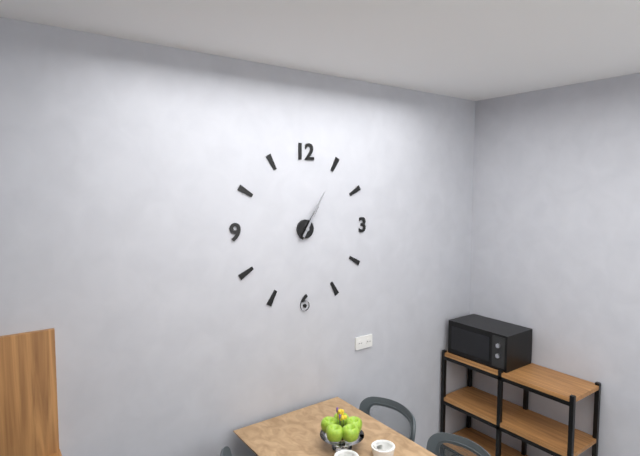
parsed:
1,05
